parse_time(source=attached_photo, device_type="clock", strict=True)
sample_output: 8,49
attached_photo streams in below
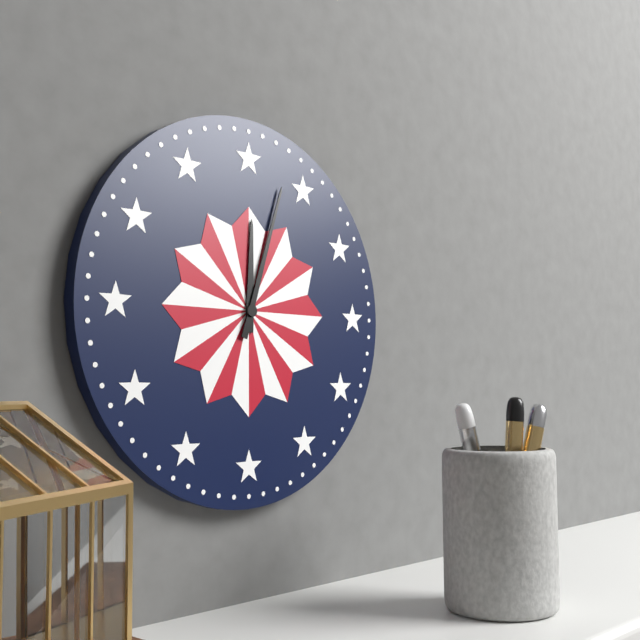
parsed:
12,03
